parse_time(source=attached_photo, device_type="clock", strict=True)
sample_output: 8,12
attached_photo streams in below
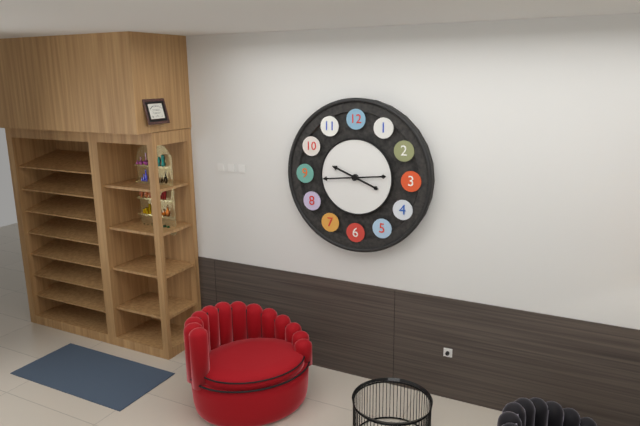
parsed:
9,44
